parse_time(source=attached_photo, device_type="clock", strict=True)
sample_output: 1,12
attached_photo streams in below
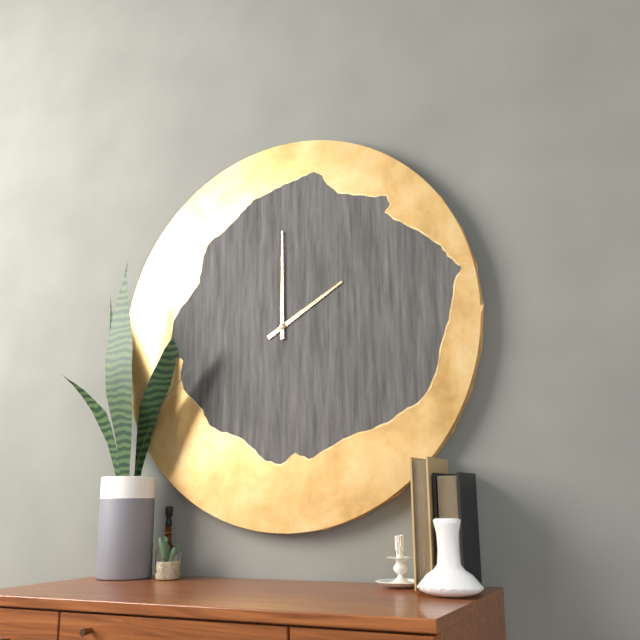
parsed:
2,00
